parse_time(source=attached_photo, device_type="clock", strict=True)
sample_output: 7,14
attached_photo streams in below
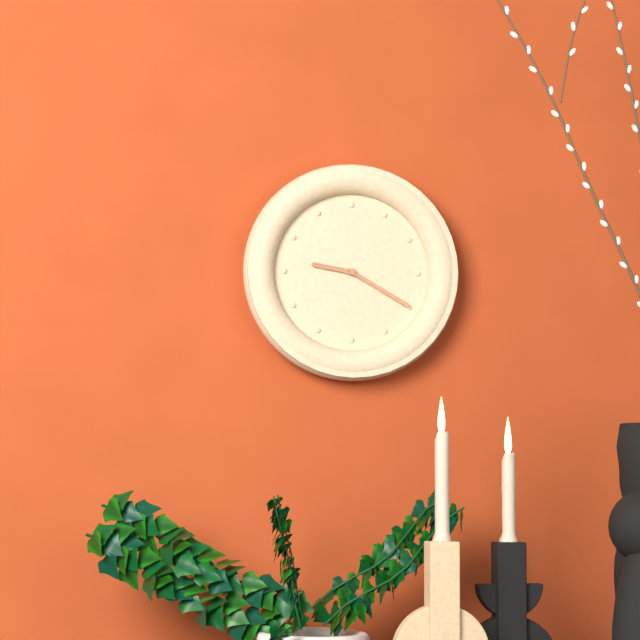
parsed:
9,20
